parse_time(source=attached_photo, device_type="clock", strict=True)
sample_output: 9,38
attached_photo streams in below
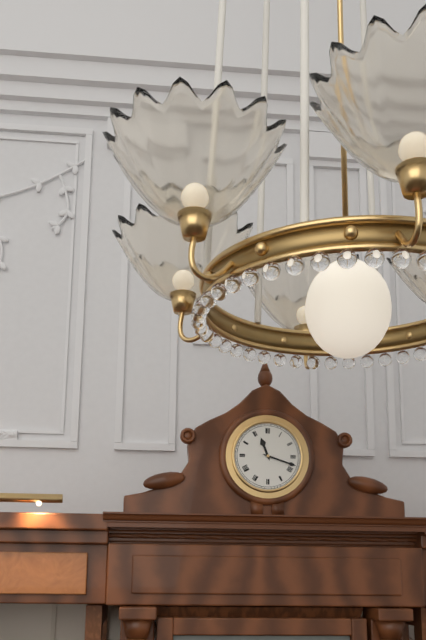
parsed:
11,18
